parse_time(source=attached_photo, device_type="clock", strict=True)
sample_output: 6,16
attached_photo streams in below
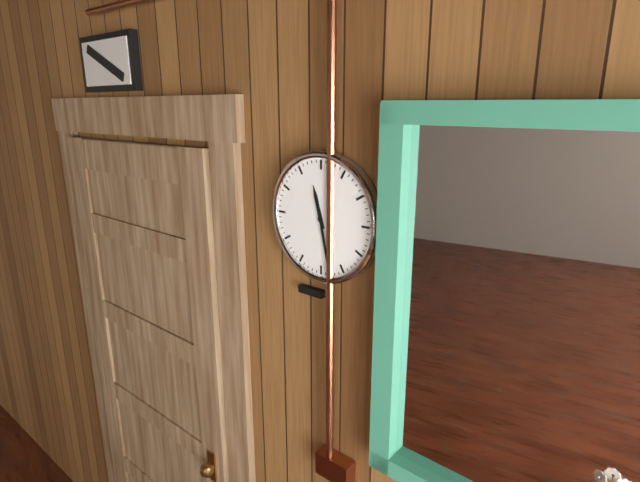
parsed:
11,28
